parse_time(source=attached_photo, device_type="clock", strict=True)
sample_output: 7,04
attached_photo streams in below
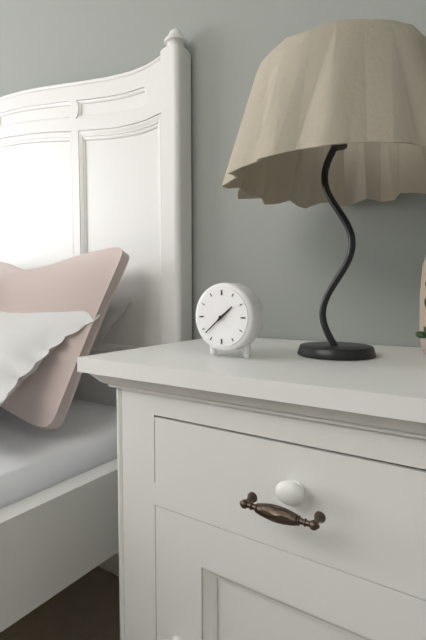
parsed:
1,38
